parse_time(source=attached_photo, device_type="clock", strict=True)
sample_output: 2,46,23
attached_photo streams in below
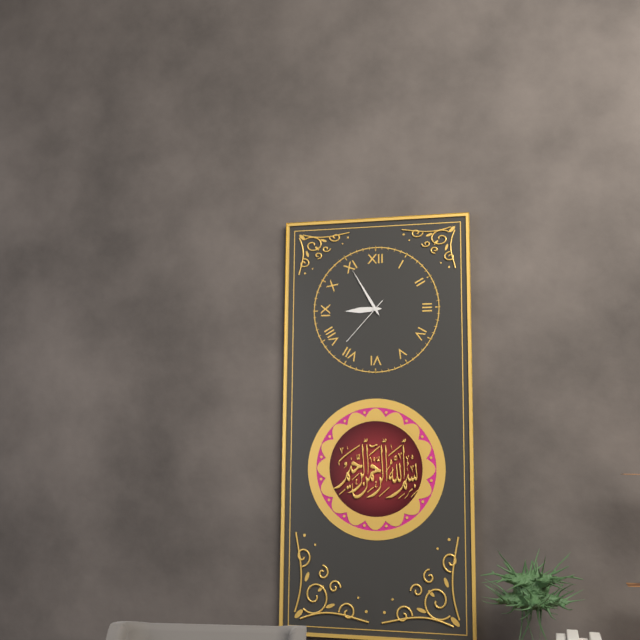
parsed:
8,55,37
